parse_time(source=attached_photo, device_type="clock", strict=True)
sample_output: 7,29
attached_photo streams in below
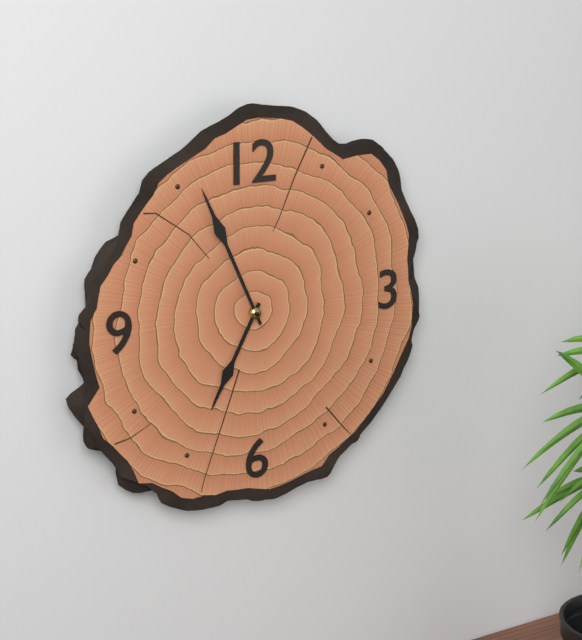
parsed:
6,56
